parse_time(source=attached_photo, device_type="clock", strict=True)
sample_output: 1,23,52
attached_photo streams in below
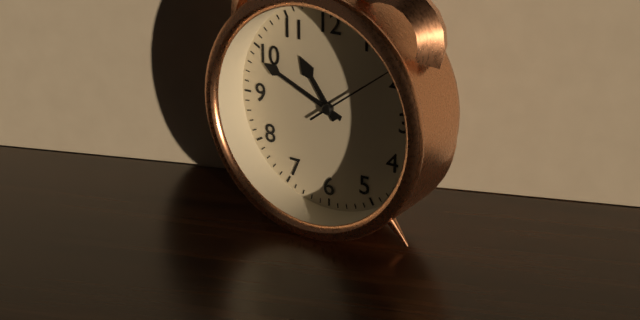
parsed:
10,49,09
